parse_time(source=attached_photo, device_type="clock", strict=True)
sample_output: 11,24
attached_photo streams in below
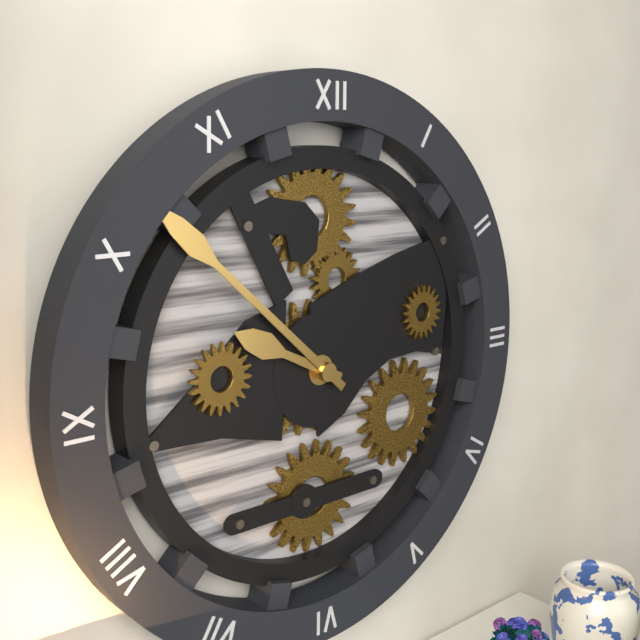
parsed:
9,52
